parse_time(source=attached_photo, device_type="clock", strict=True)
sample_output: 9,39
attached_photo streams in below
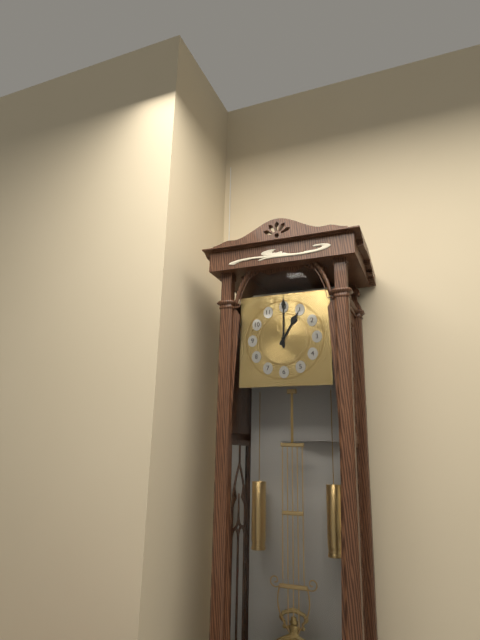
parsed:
1,00
